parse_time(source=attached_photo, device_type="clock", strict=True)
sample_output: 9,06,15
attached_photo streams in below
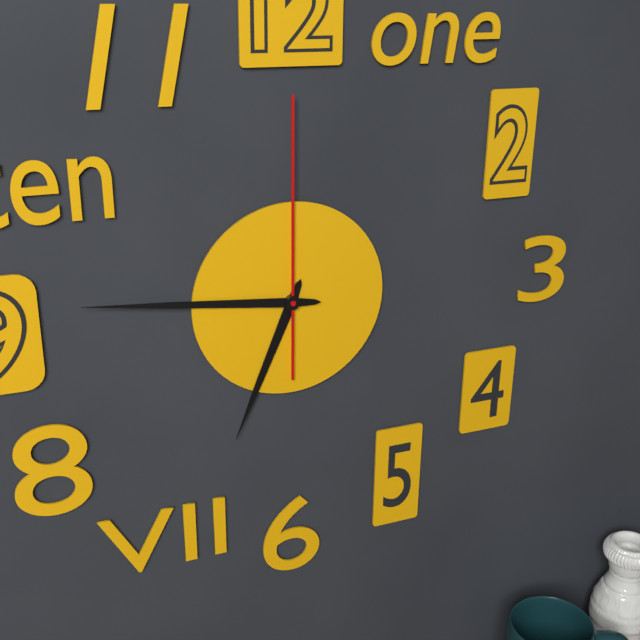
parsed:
6,46,00
